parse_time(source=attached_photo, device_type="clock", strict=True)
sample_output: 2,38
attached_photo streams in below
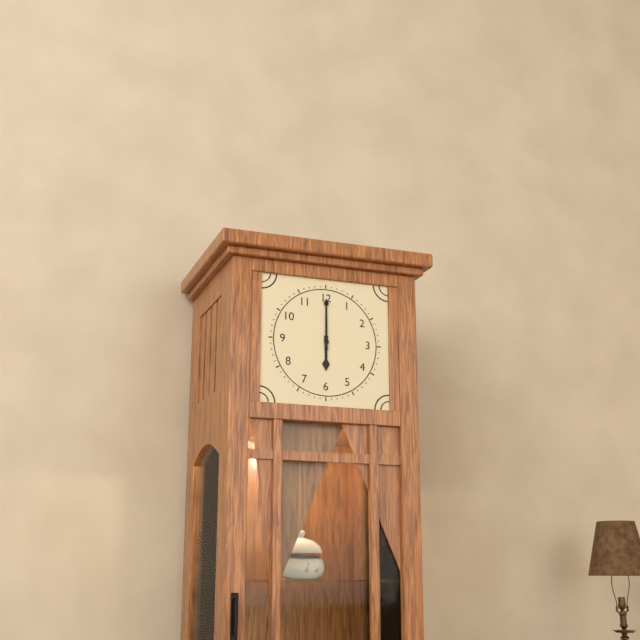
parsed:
6,00
